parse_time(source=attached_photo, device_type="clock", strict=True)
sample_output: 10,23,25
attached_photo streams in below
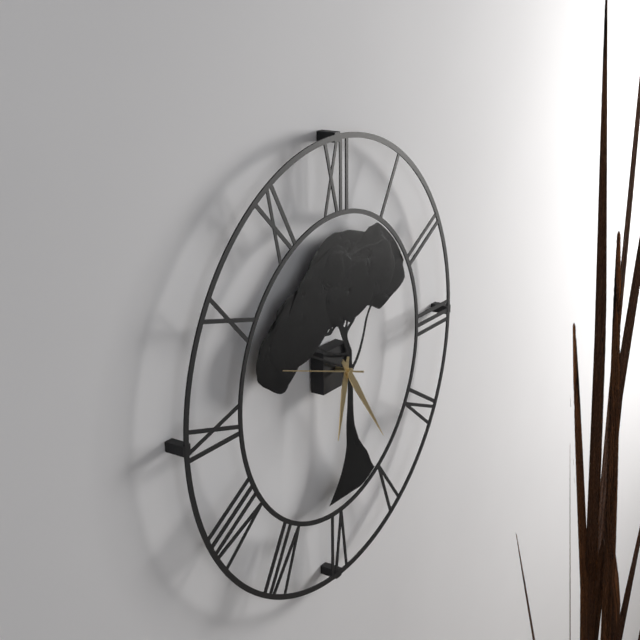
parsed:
6,24,48
